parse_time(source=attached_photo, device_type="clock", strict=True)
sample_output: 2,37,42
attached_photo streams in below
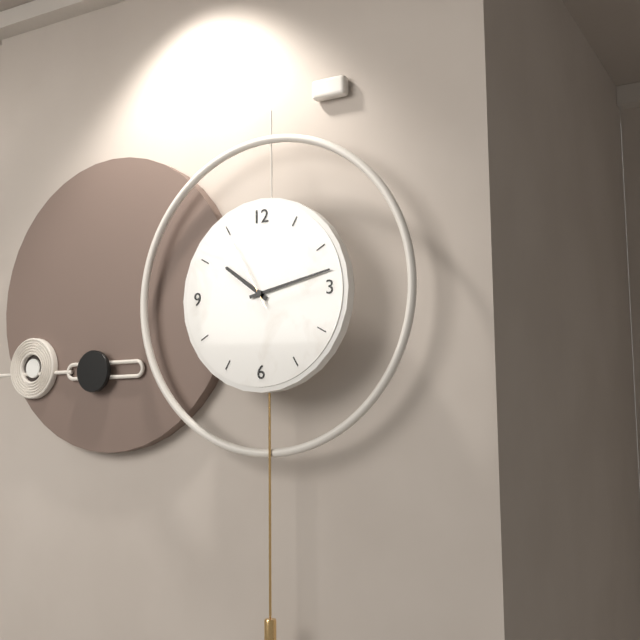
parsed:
10,13,55
